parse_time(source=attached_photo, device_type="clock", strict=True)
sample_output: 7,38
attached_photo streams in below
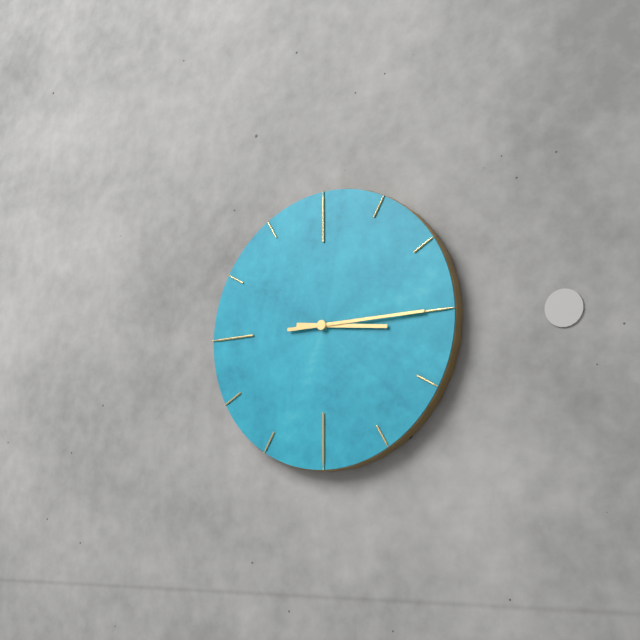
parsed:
3,15
